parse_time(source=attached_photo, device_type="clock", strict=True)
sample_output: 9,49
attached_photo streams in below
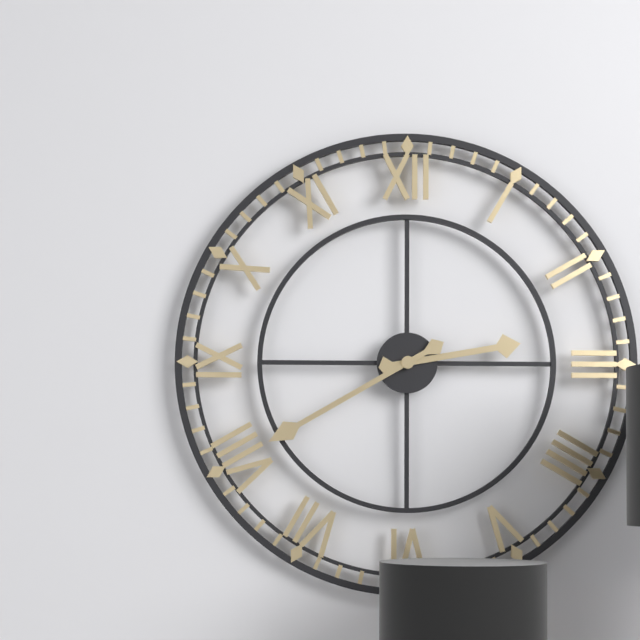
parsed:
2,40
